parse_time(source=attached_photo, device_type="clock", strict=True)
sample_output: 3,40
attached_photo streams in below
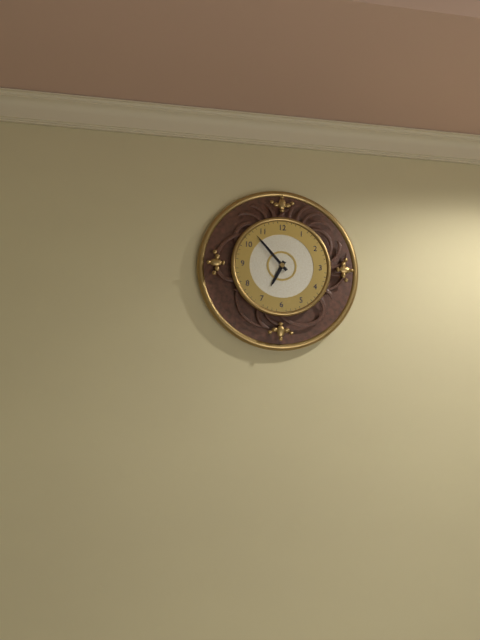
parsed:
6,53
